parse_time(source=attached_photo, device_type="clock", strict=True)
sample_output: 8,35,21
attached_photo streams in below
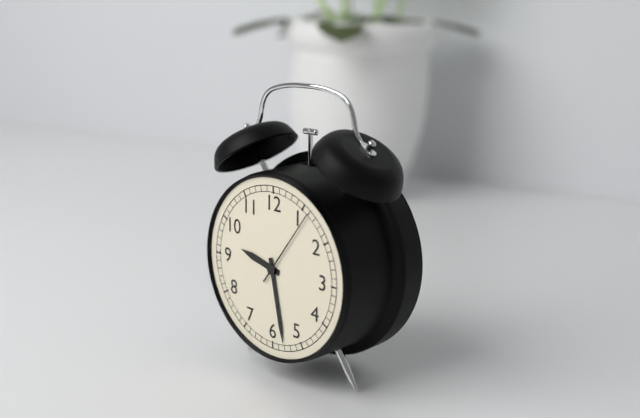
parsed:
9,28,06
